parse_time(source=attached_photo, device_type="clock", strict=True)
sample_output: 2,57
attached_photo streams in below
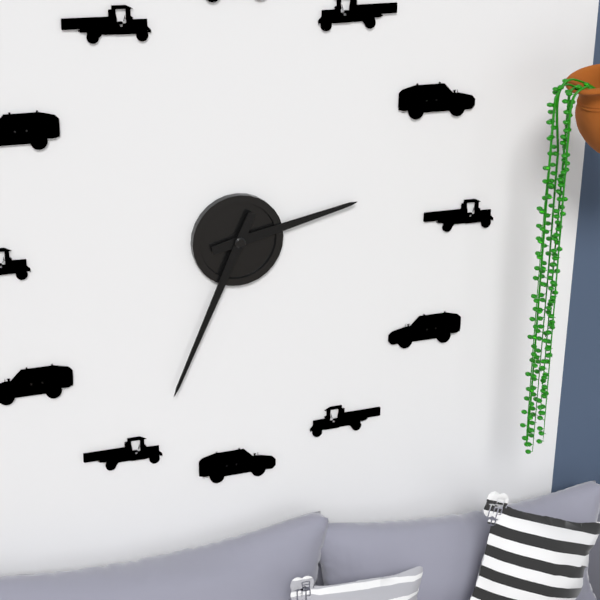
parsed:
2,34
